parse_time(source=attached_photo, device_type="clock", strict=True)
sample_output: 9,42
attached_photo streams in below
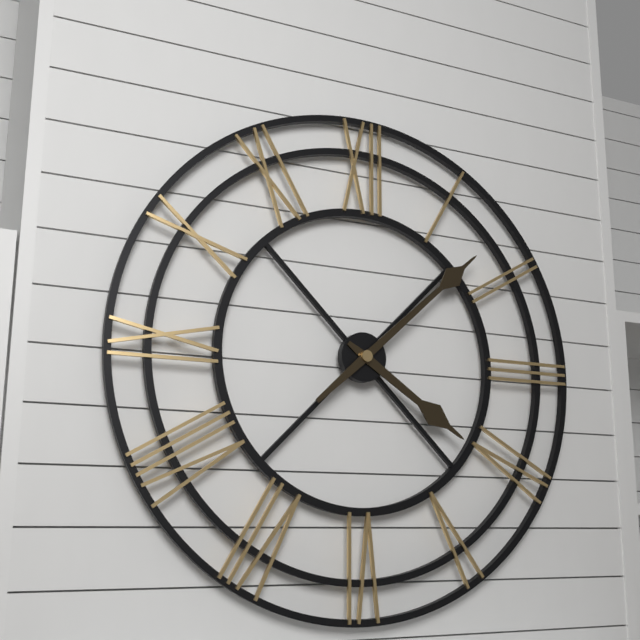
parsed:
4,08
